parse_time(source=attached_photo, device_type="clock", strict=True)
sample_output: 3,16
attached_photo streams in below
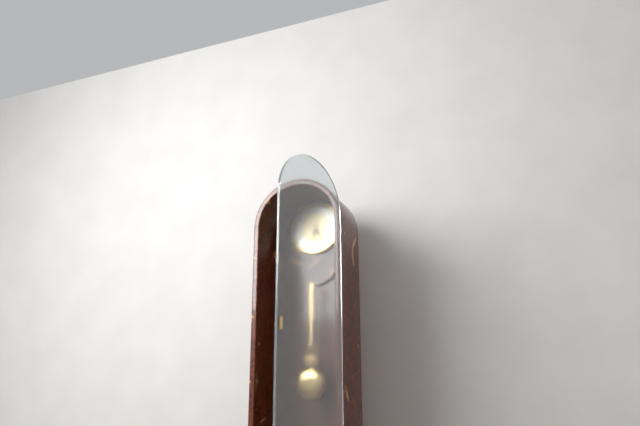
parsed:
6,26
